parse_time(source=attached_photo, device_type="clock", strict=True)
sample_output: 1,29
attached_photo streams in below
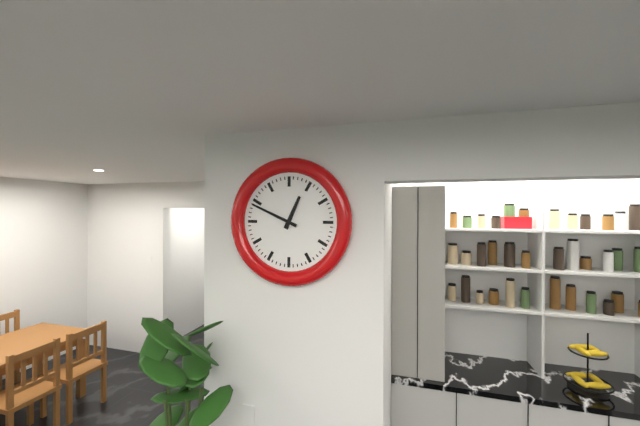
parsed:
12,49
